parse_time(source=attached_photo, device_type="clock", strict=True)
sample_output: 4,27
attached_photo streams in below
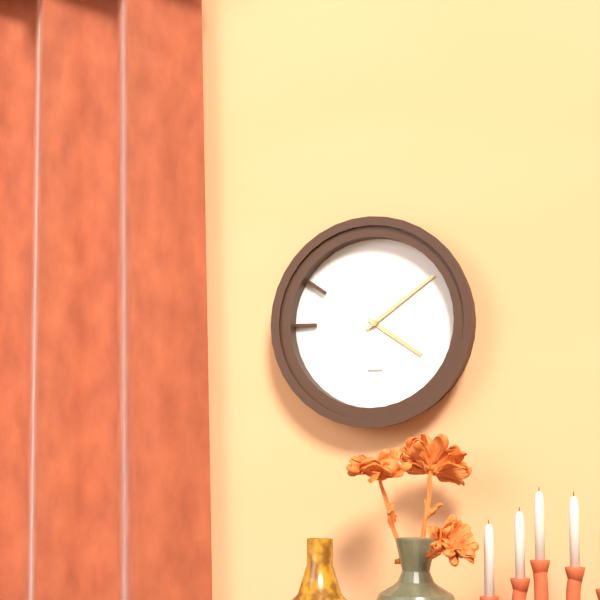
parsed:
4,09
